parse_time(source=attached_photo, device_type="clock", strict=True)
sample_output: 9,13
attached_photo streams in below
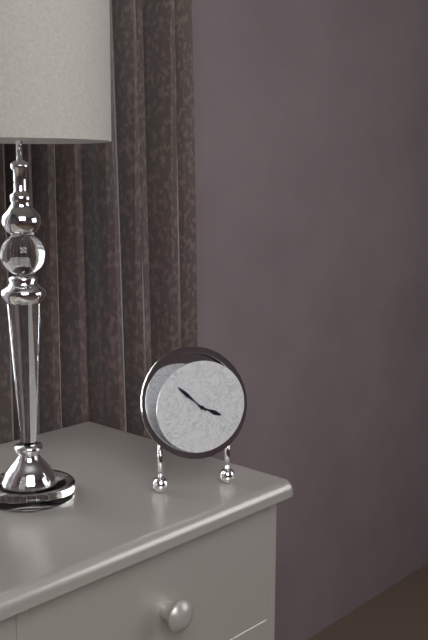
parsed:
3,52
